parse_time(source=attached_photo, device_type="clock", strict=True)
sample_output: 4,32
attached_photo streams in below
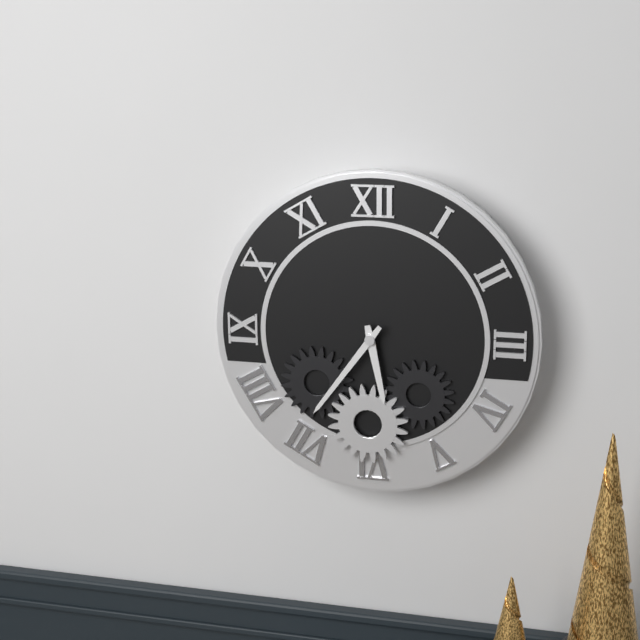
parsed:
5,36
